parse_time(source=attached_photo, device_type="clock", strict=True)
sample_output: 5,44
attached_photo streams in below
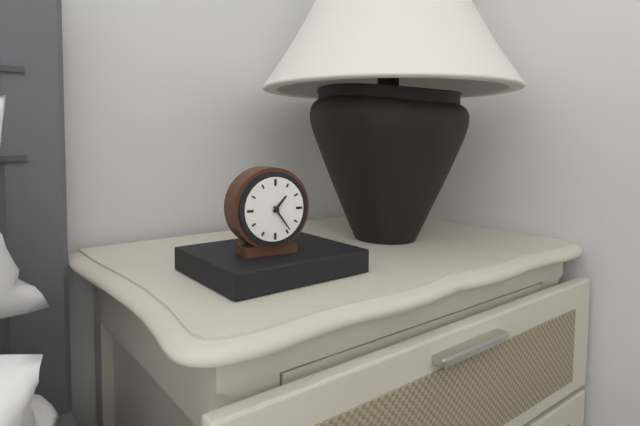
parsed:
1,24
